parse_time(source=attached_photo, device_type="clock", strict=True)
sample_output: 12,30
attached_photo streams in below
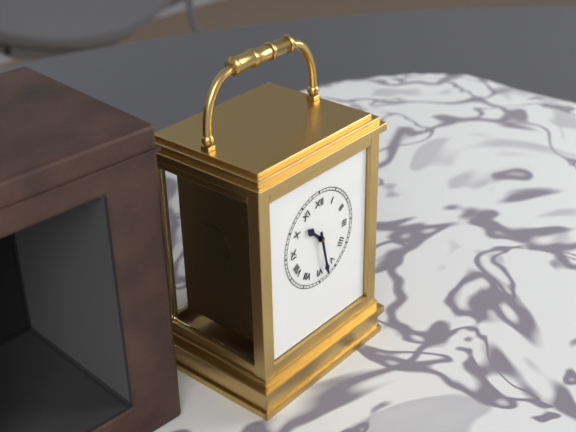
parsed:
10,28
